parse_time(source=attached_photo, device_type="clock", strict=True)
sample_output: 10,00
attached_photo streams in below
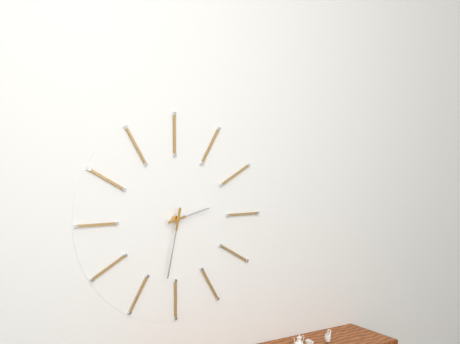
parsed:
2,32
